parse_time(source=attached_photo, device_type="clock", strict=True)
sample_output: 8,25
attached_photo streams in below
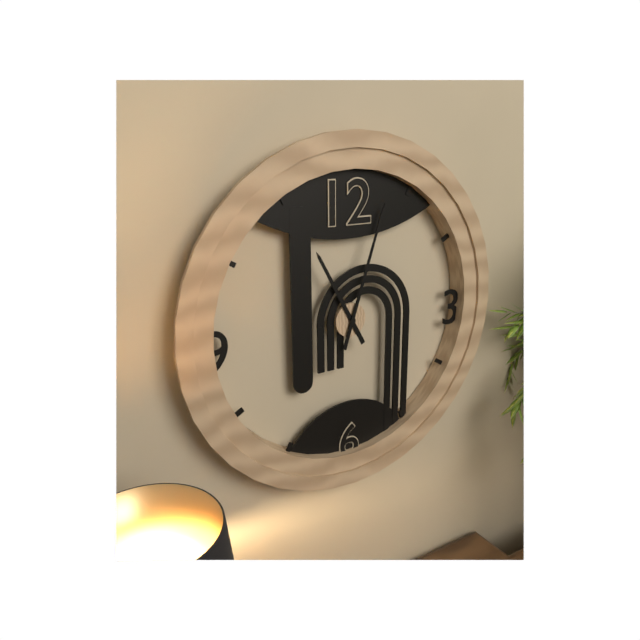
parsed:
11,03
